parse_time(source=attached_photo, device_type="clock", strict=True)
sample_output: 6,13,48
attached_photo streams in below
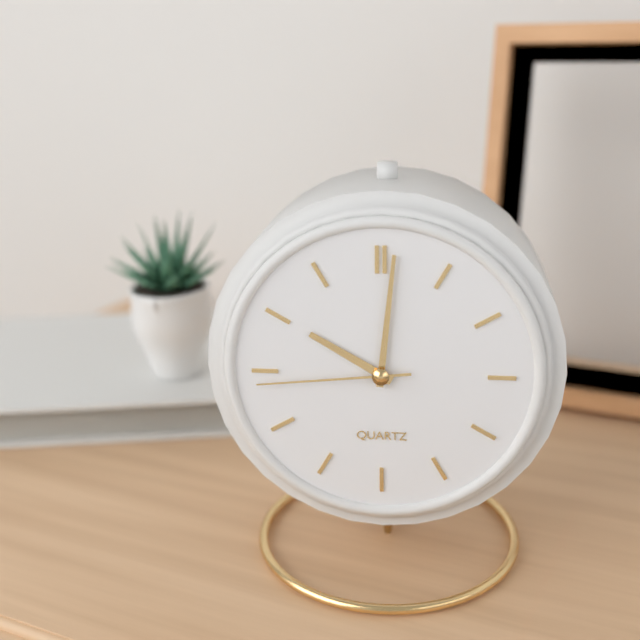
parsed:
10,01,44
